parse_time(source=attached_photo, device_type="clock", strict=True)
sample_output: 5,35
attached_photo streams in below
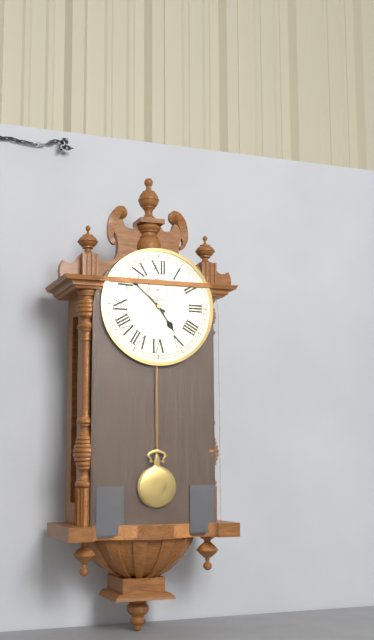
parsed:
4,52
